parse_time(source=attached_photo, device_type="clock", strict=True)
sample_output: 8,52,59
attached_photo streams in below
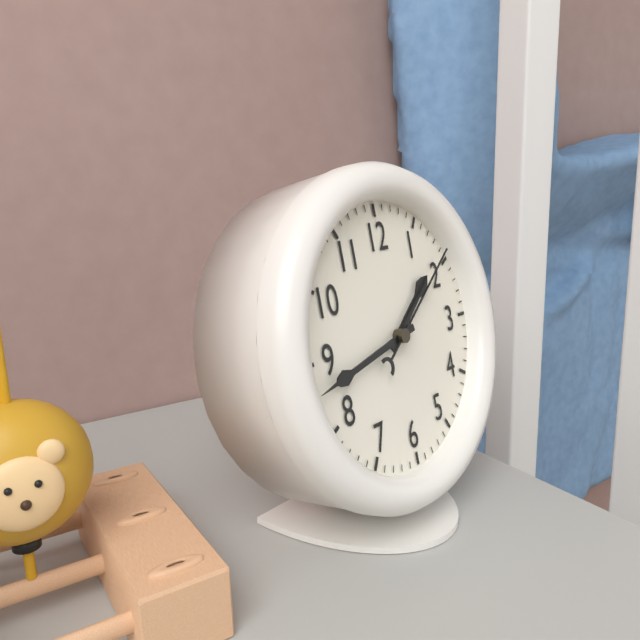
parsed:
1,43,09
